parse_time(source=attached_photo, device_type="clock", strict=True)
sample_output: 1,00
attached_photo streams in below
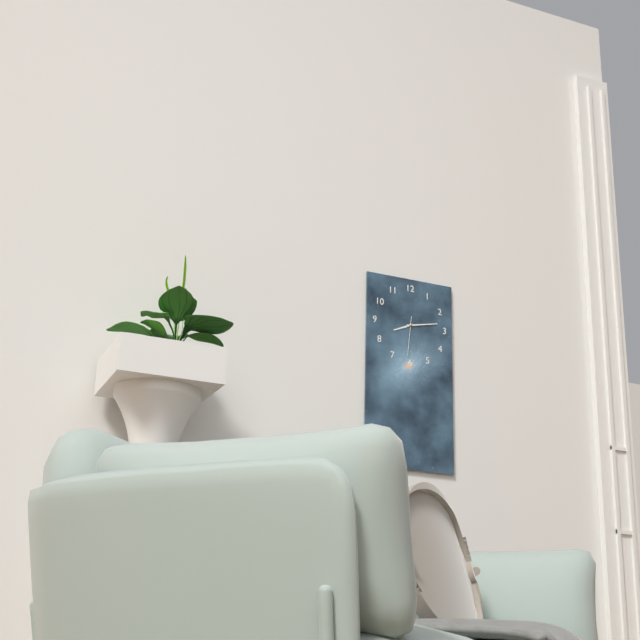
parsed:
8,13
